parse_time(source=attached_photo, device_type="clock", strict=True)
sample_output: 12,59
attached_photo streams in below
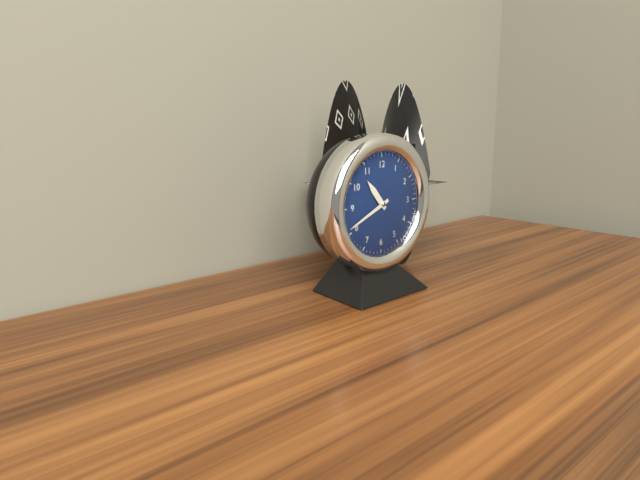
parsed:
10,41
